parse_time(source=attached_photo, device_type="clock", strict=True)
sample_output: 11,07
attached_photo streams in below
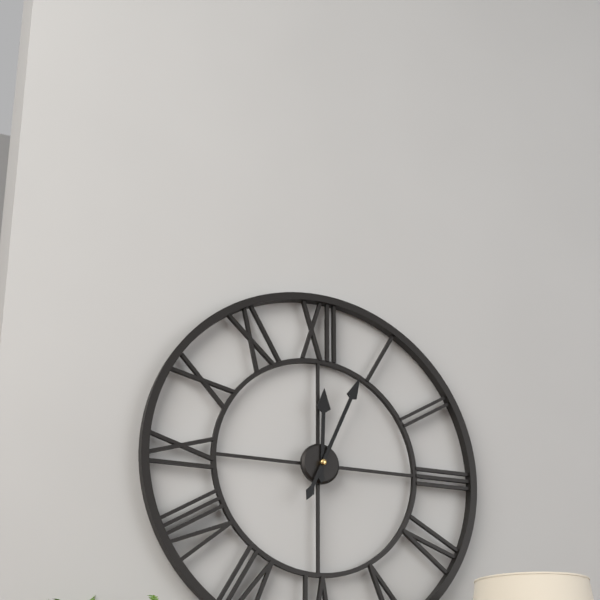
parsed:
12,04
